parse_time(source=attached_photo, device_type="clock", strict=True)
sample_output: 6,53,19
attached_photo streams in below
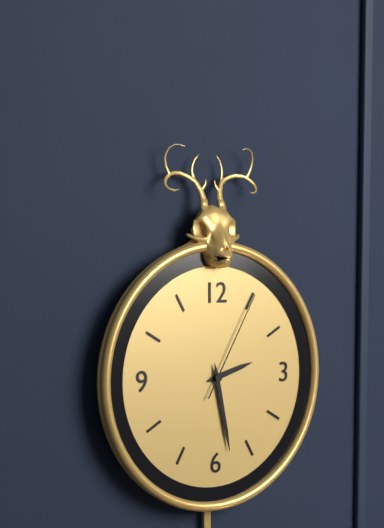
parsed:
2,28,05
